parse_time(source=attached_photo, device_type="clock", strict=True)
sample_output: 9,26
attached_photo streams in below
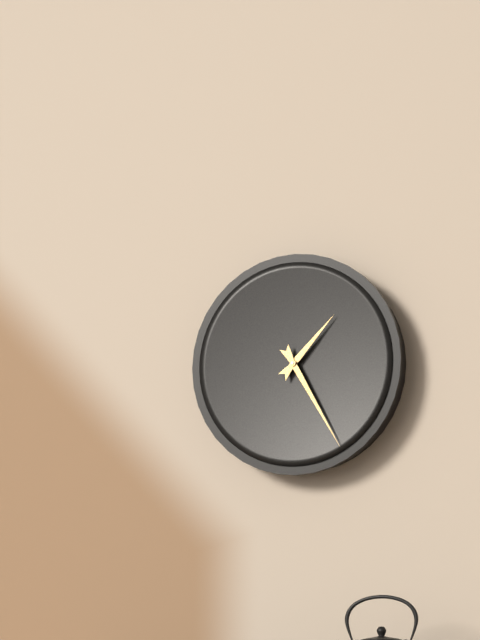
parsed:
1,25
